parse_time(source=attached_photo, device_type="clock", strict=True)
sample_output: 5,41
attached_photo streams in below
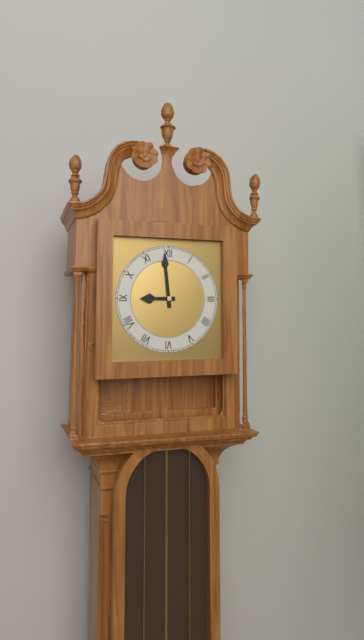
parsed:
8,59
